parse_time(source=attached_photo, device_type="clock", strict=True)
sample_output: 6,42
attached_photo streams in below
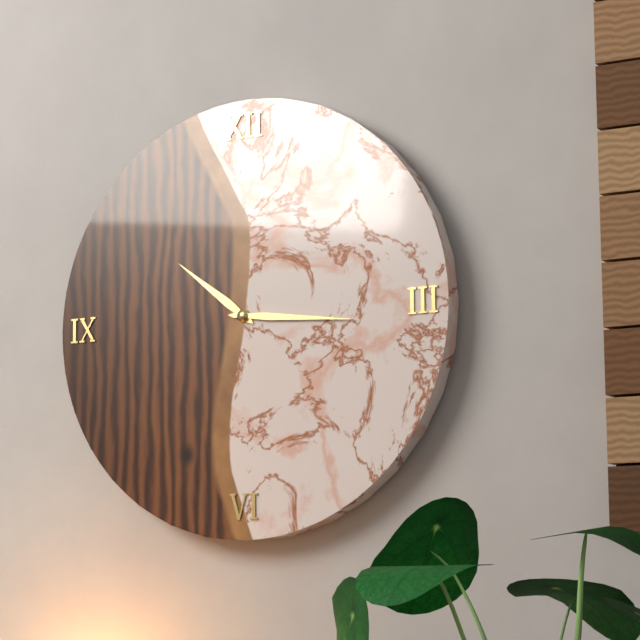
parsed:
10,16
